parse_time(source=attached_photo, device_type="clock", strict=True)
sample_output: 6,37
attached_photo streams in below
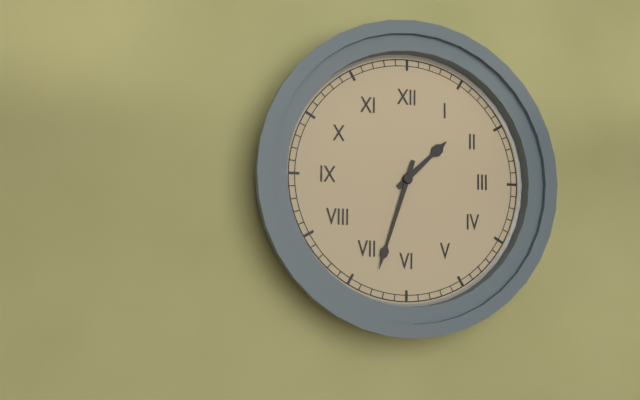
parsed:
1,33
